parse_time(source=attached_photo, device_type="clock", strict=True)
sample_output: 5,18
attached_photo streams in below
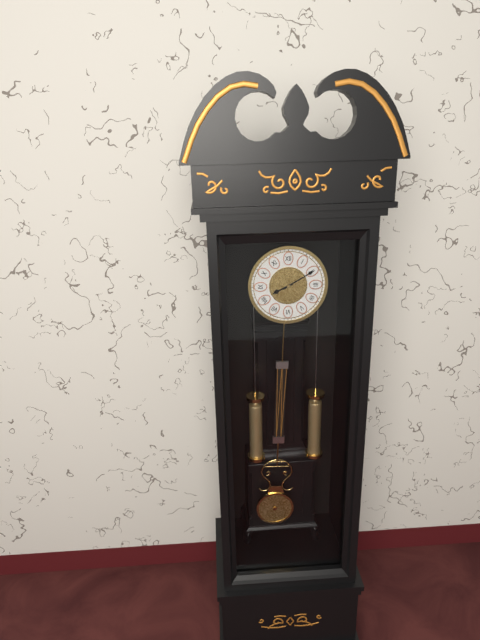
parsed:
8,10
